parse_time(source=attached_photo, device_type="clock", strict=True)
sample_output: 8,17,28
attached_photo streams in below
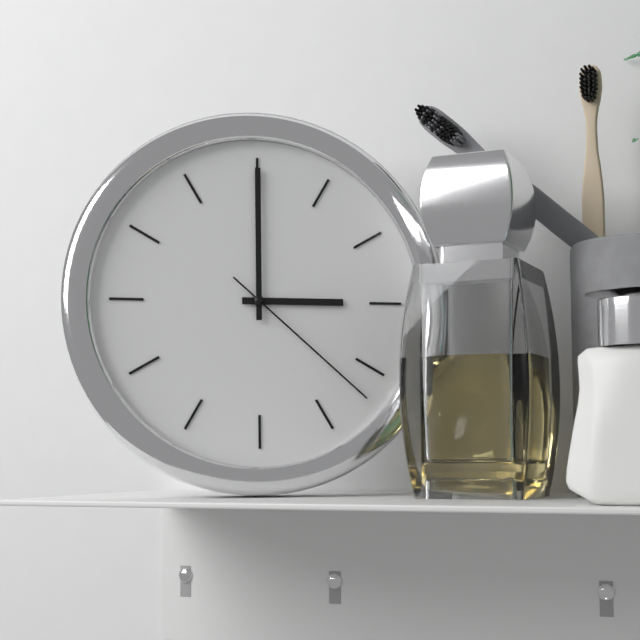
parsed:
3,00,22
